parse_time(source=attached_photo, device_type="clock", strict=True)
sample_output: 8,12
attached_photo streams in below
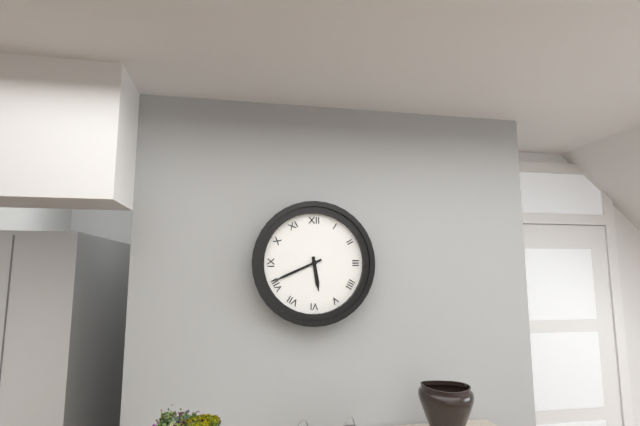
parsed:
5,41
